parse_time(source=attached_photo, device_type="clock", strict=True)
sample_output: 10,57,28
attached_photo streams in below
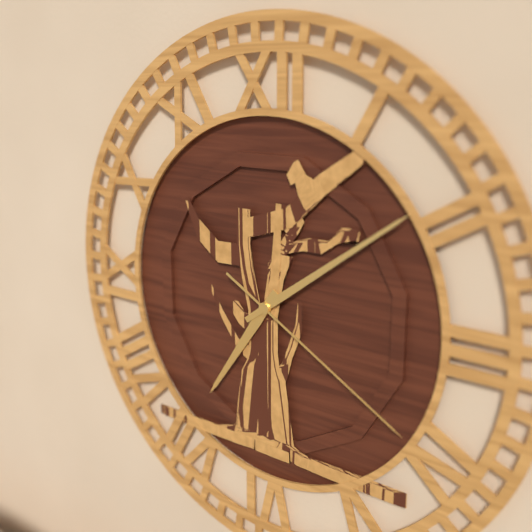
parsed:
7,09,20
